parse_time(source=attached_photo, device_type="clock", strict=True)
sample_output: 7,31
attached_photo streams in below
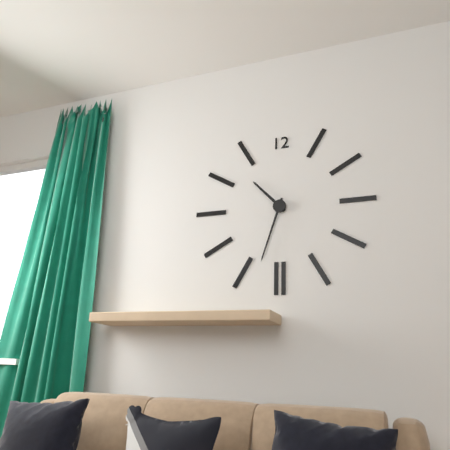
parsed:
10,33
